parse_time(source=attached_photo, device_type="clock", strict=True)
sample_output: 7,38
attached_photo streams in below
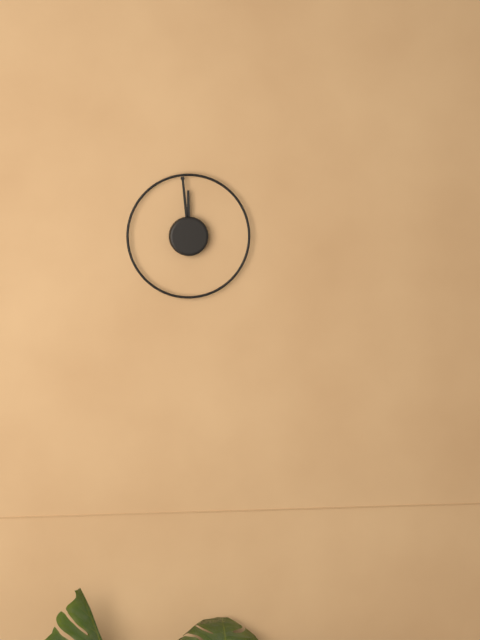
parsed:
11,59
